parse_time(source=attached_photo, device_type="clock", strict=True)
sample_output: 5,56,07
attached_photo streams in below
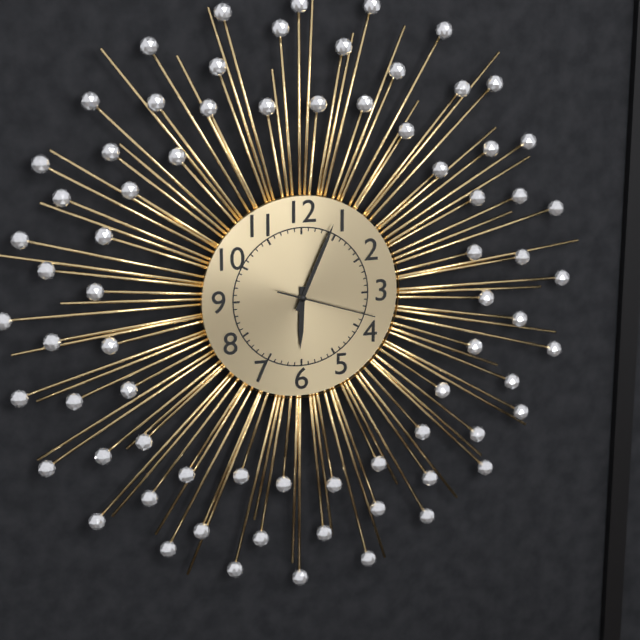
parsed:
6,04,18
